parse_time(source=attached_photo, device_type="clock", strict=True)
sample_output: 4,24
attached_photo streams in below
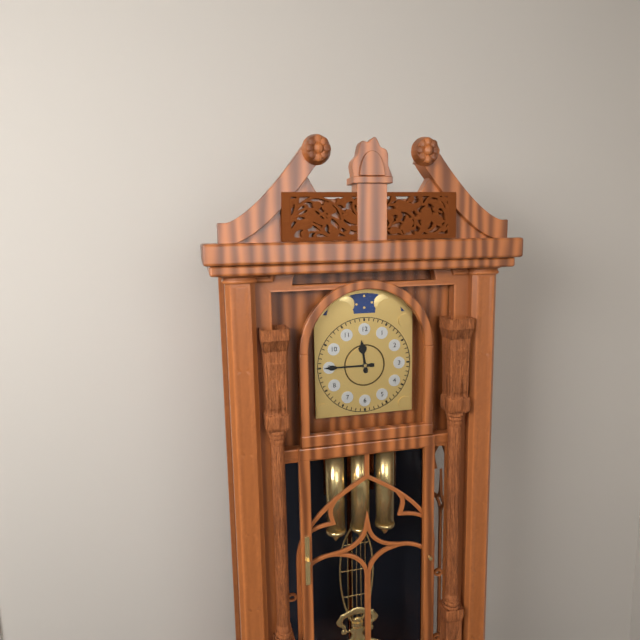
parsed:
11,45
